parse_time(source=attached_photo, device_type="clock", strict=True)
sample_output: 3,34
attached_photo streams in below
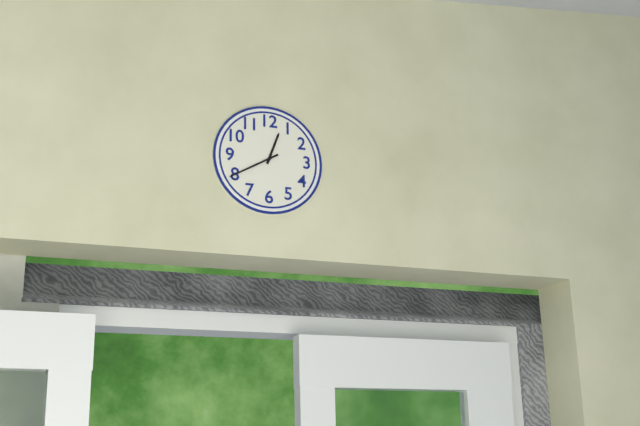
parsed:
12,40
